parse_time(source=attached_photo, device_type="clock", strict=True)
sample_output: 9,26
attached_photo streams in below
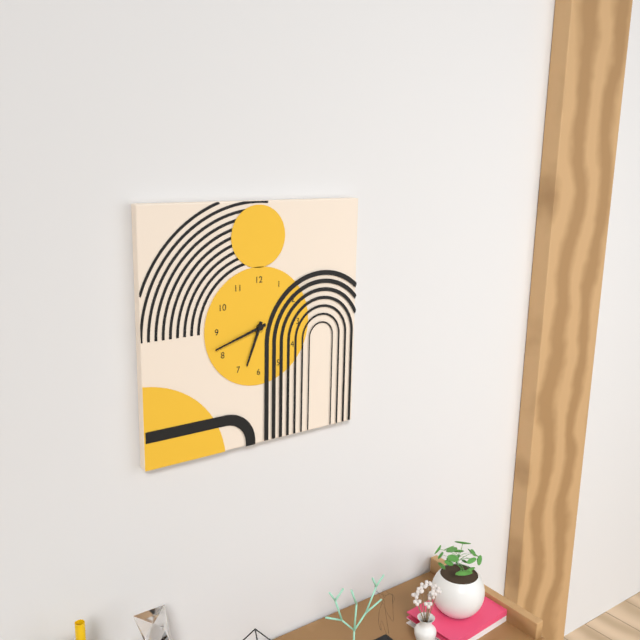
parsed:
6,42
